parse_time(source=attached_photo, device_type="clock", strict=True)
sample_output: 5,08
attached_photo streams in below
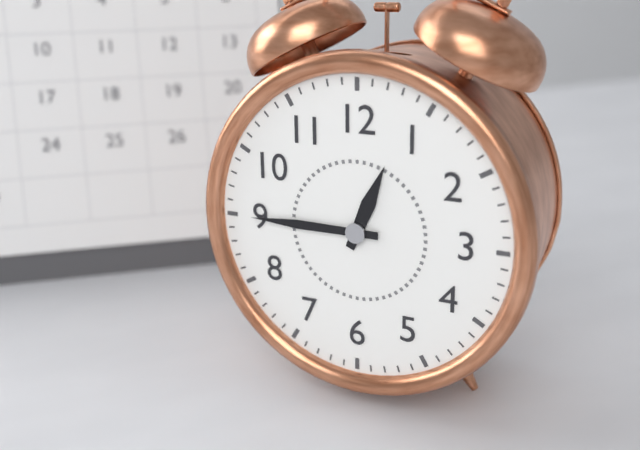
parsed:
12,45
